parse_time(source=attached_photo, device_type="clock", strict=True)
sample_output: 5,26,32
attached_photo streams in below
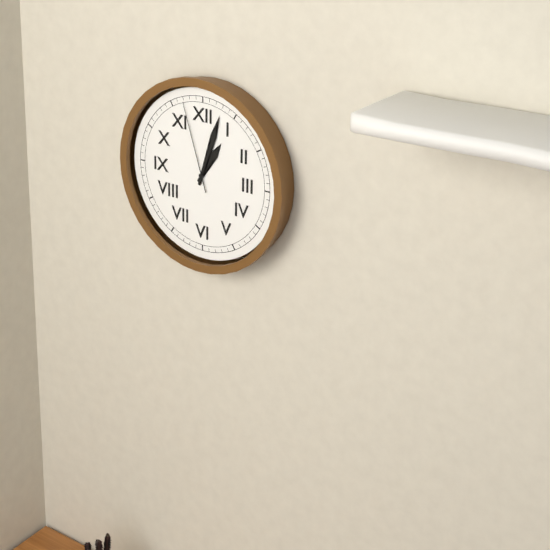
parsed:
1,03,57
